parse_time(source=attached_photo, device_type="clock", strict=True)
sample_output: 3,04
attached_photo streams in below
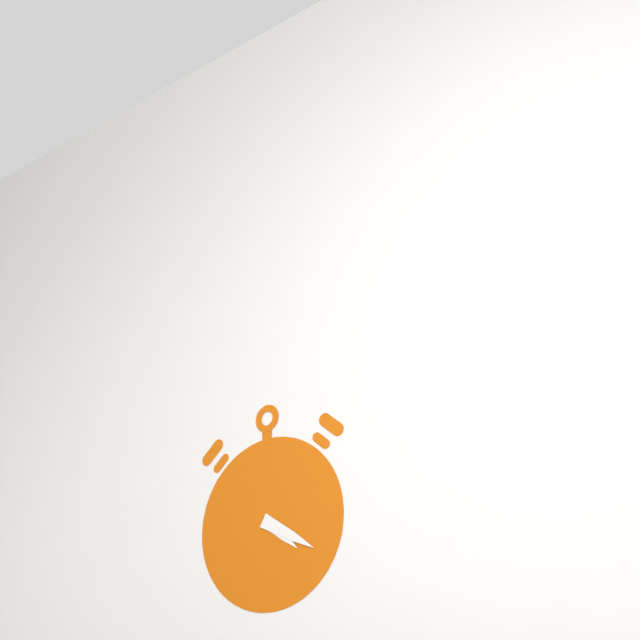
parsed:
4,20
